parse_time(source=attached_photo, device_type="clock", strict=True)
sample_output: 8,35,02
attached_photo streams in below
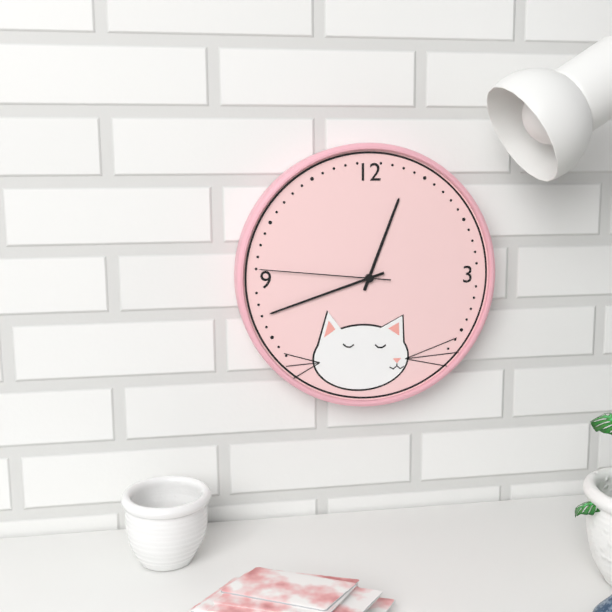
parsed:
12,42,46
